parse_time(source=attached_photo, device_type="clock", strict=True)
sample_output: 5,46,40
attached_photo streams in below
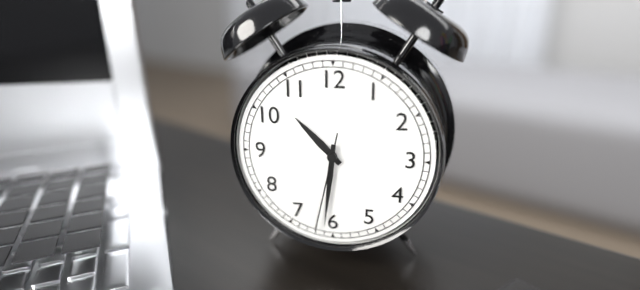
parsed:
10,31,32
